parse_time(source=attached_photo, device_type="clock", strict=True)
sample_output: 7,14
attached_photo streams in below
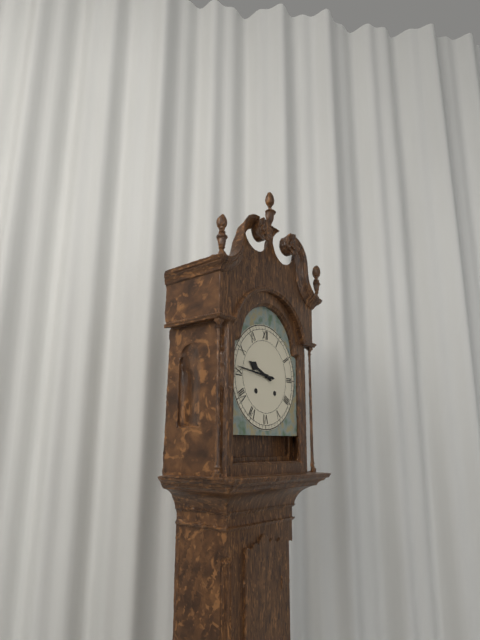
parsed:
9,46
